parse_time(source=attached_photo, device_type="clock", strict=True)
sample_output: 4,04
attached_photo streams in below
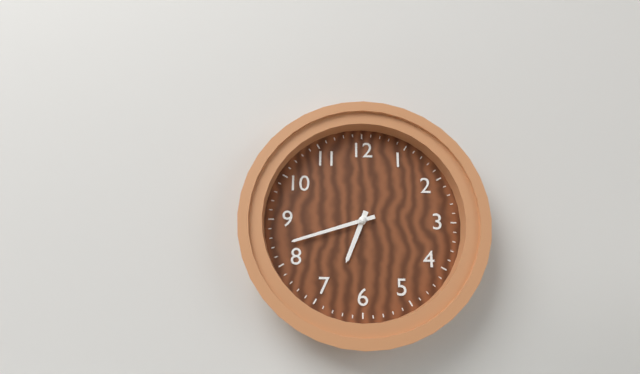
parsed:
6,42
